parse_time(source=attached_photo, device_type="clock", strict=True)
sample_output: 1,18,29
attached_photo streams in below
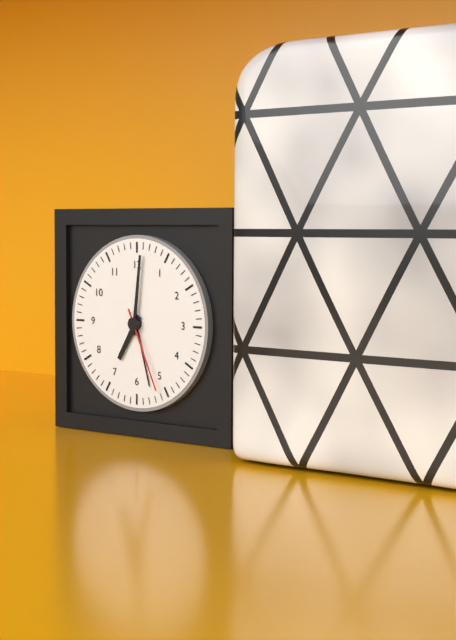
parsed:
7,01,26
